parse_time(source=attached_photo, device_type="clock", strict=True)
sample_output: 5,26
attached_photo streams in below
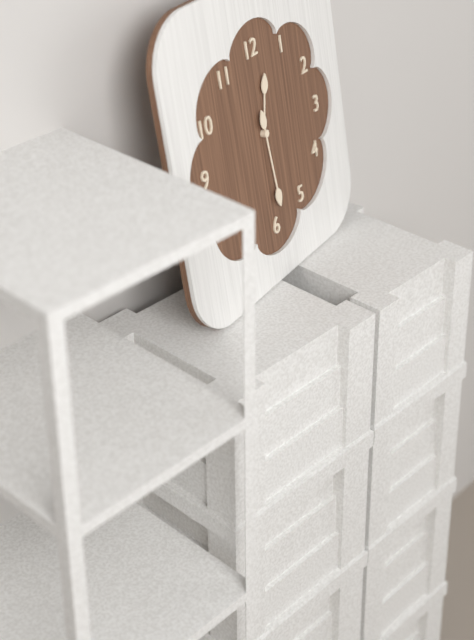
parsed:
12,29
